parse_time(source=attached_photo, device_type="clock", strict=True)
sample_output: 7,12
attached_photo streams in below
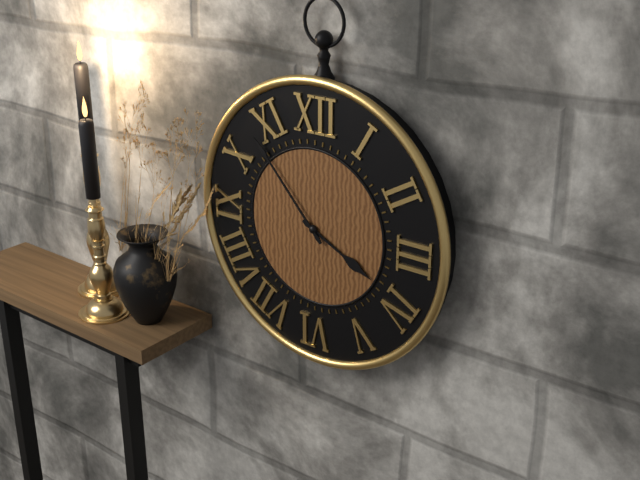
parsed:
3,53
